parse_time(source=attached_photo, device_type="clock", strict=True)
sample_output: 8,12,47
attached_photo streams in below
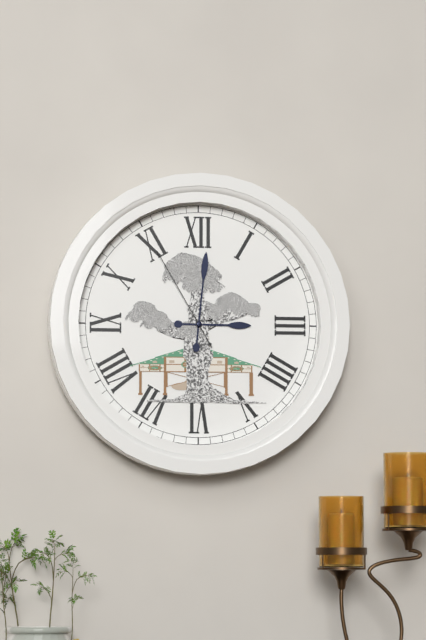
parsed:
3,01,55
